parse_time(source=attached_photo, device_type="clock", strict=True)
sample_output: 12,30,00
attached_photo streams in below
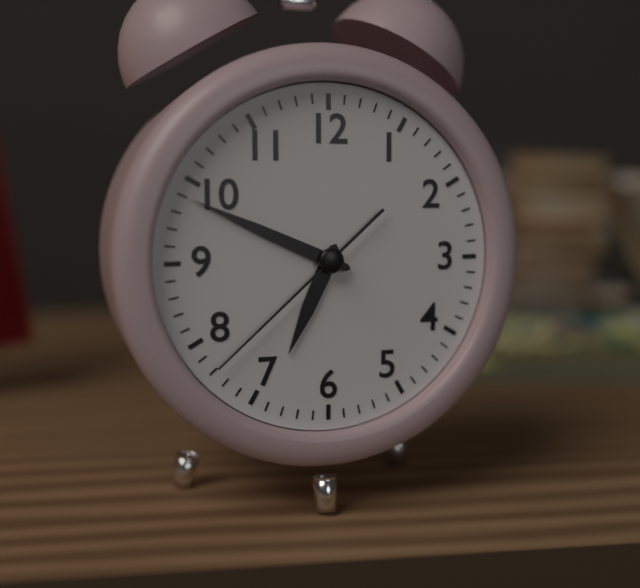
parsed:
6,49,38
